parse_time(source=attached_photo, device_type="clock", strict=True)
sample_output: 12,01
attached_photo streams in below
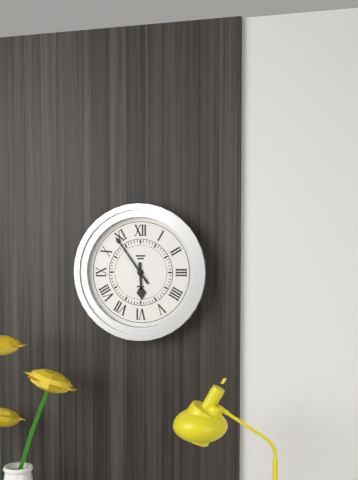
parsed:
5,54
